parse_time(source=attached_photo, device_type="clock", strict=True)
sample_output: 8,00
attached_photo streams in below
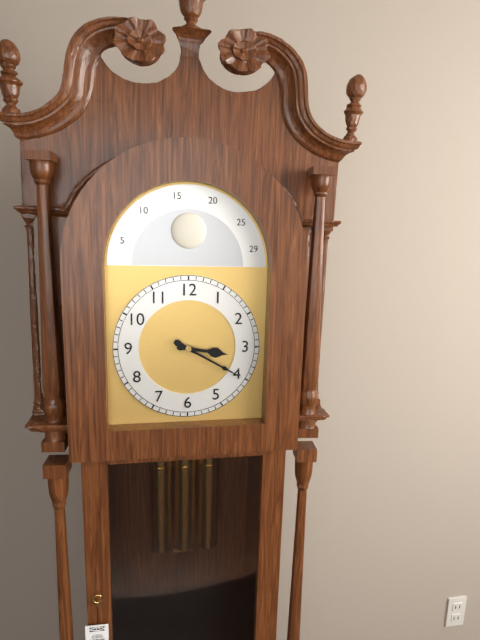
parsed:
3,20
